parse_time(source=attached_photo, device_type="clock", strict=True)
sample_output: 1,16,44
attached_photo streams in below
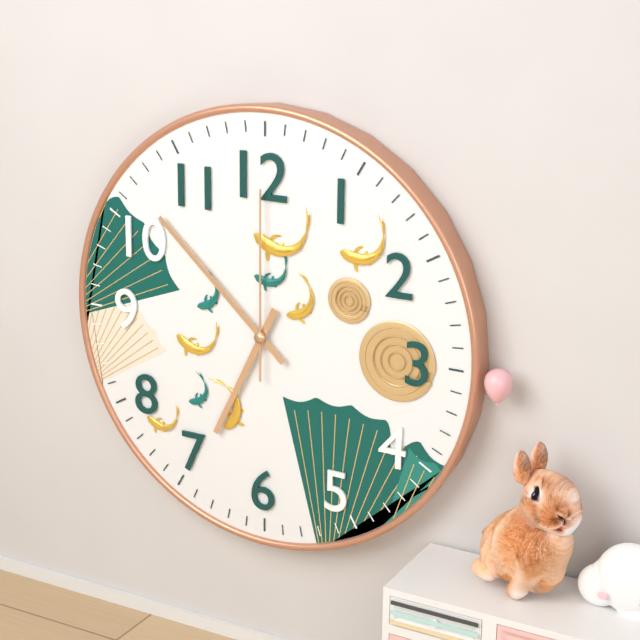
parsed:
6,52,00
